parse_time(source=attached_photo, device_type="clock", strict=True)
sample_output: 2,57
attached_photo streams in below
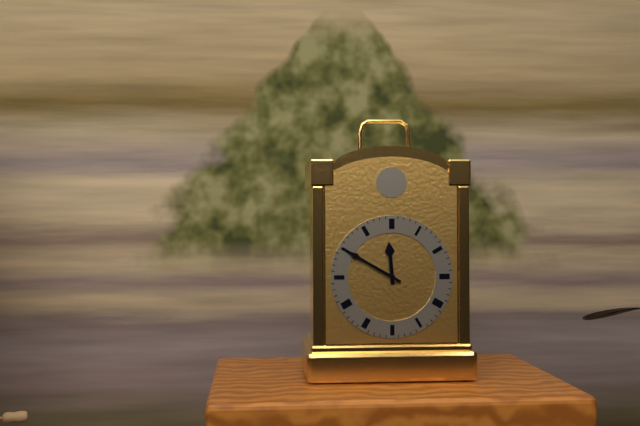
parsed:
11,50
